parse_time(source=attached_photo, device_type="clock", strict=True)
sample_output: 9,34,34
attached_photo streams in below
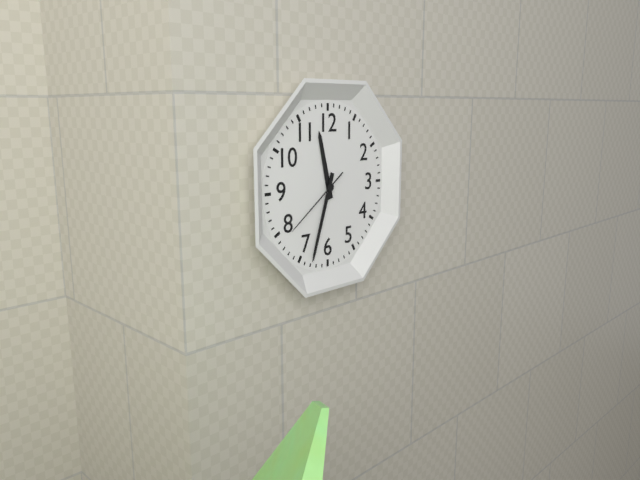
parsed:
11,33,39
